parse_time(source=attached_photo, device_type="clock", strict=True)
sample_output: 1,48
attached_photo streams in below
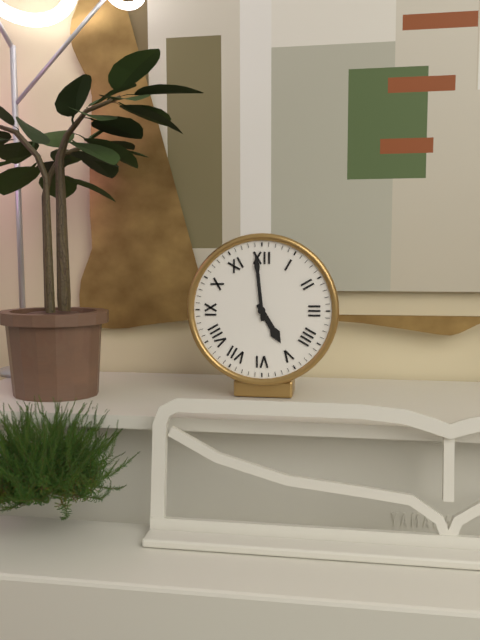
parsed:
4,59
